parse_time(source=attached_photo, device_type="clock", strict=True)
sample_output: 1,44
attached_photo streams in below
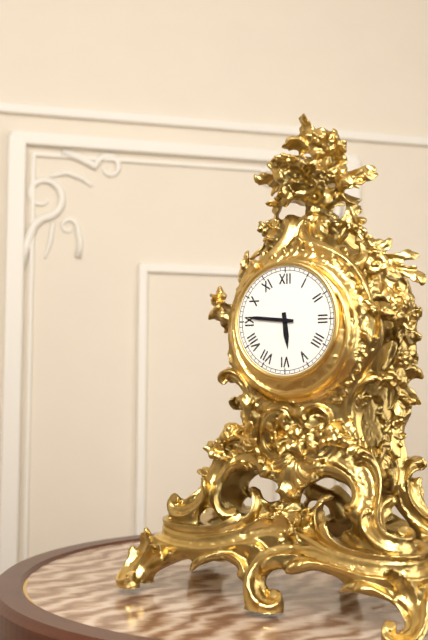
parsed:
5,46
